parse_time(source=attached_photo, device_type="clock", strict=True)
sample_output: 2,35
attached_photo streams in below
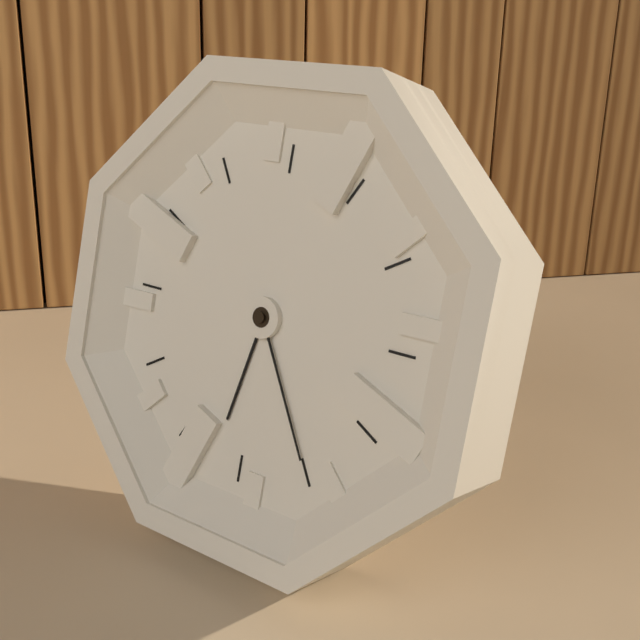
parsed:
6,25
